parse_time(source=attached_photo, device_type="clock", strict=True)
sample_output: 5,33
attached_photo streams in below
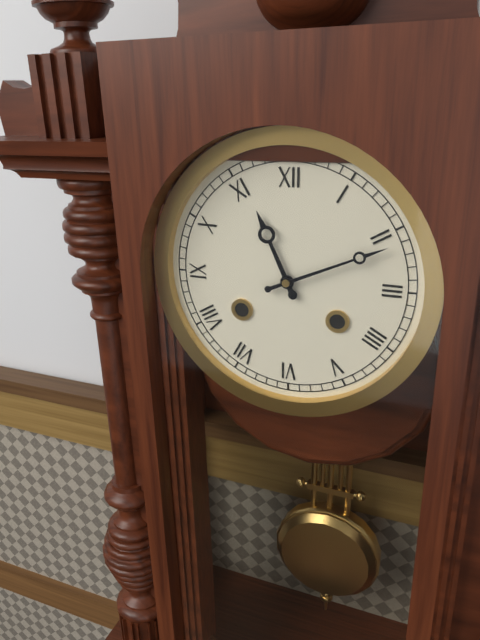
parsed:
11,11
